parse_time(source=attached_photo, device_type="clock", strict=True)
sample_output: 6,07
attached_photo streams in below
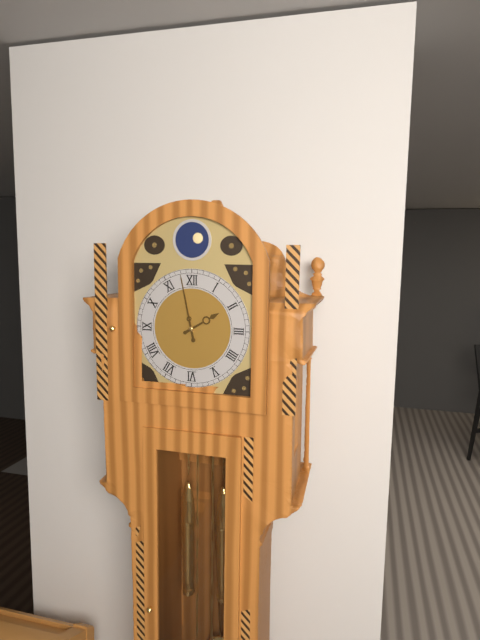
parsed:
1,58
